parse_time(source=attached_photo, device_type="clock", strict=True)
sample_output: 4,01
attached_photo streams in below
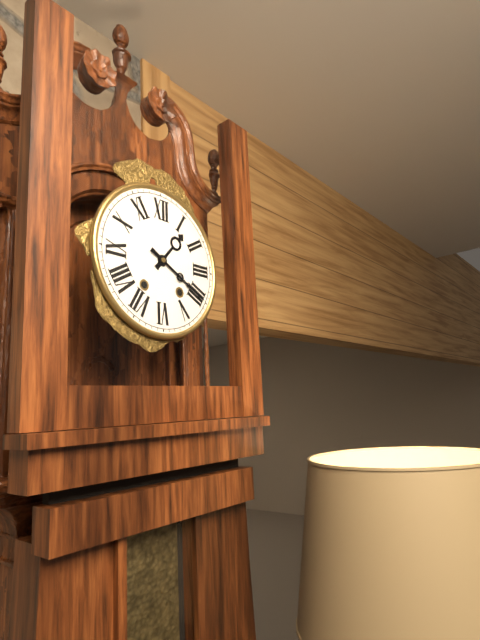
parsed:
1,20
